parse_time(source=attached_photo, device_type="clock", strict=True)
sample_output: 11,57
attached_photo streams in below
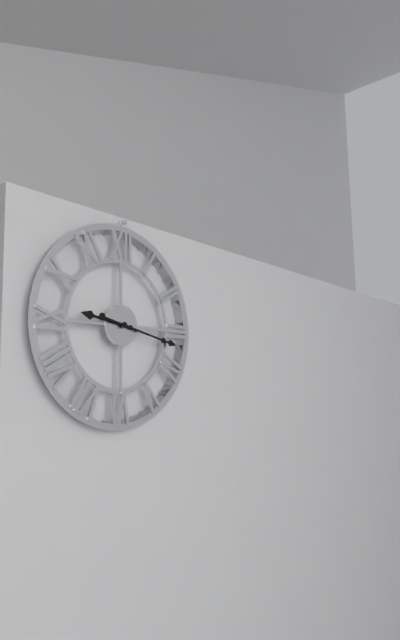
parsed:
9,17
